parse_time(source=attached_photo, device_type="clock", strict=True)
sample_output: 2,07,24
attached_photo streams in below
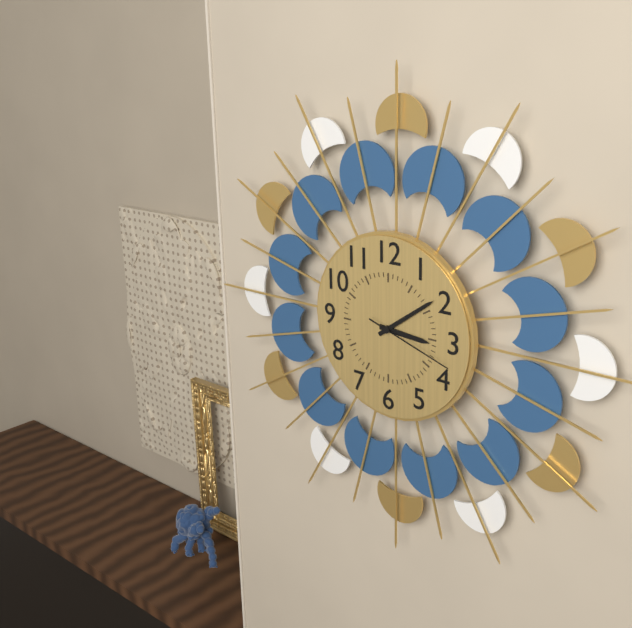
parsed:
3,09,18
